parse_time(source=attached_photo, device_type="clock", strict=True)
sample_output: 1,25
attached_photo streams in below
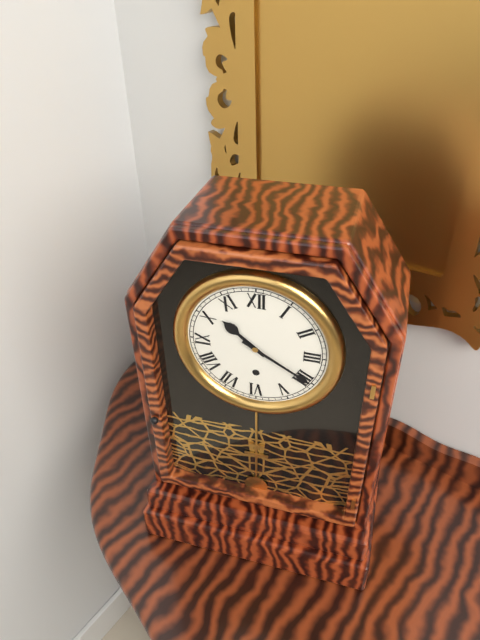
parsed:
10,20
